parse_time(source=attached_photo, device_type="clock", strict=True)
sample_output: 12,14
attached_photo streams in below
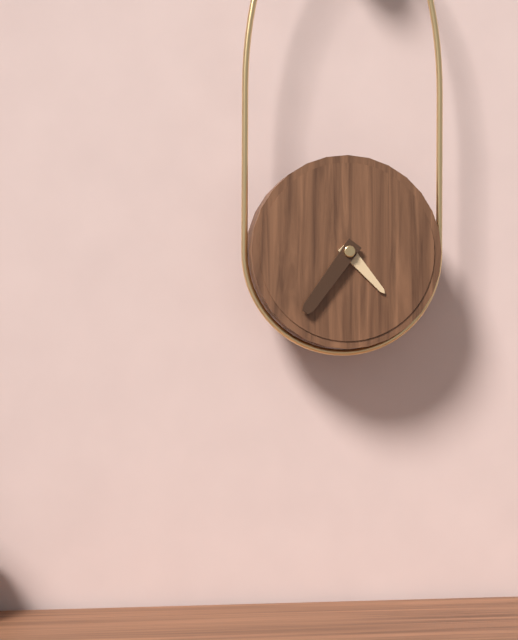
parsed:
4,36
